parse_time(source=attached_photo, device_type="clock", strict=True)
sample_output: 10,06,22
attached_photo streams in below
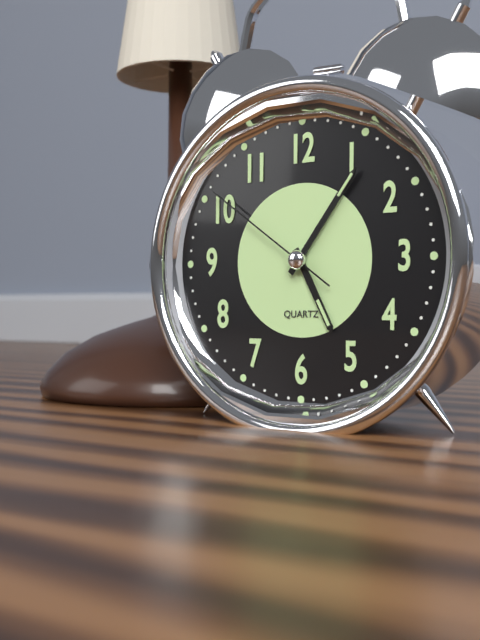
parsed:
5,06,51
